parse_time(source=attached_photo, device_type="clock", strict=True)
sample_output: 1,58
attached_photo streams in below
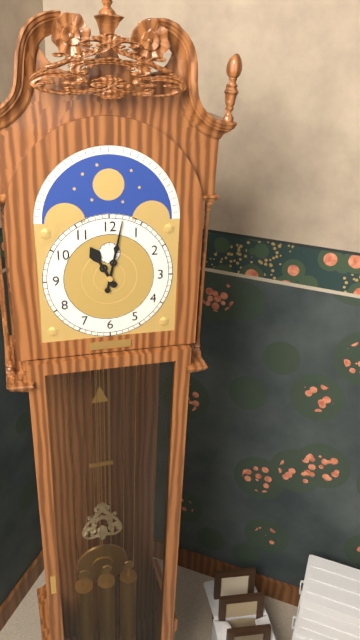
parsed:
11,02
